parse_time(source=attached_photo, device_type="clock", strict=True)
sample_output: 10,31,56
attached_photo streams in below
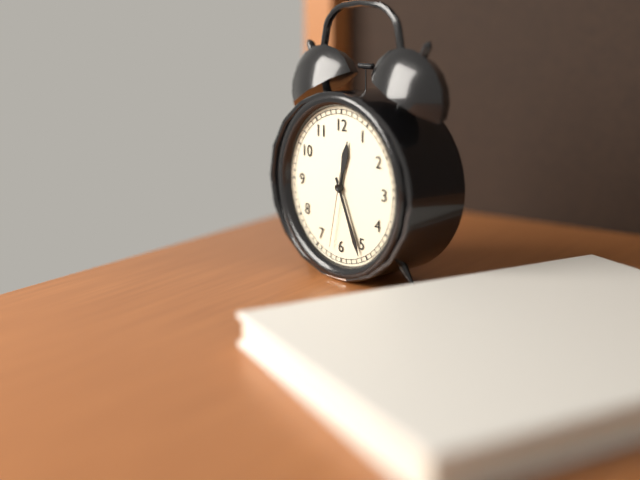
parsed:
12,26,32
